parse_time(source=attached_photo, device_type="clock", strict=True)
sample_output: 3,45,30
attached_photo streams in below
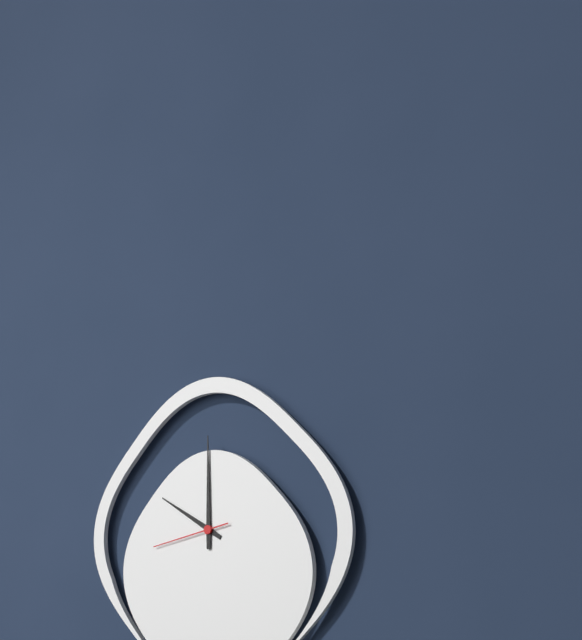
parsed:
10,00,43
